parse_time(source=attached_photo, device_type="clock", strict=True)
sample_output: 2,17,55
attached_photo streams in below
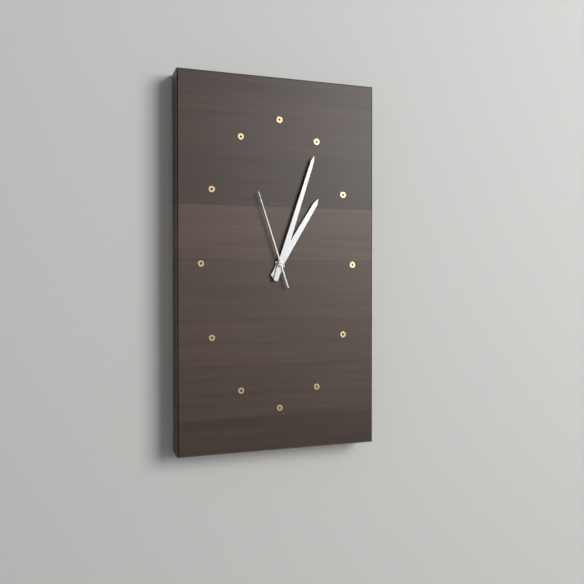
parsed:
1,03,57
